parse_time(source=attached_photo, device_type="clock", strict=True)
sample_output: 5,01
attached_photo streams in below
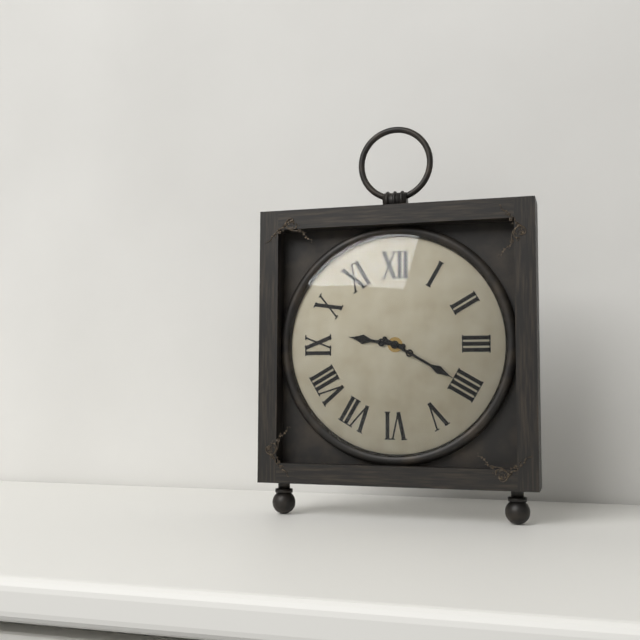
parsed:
9,20
